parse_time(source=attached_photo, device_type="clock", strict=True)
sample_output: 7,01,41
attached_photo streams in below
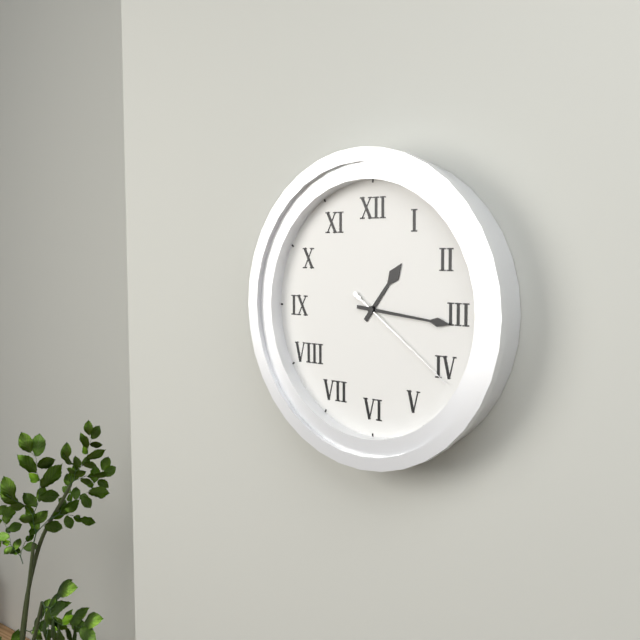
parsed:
1,16,21
